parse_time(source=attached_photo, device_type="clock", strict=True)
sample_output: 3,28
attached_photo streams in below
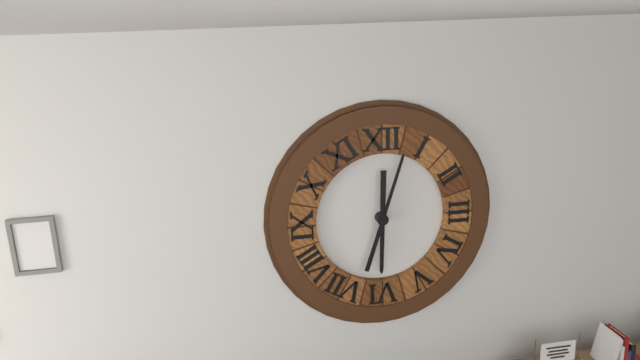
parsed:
6,03
